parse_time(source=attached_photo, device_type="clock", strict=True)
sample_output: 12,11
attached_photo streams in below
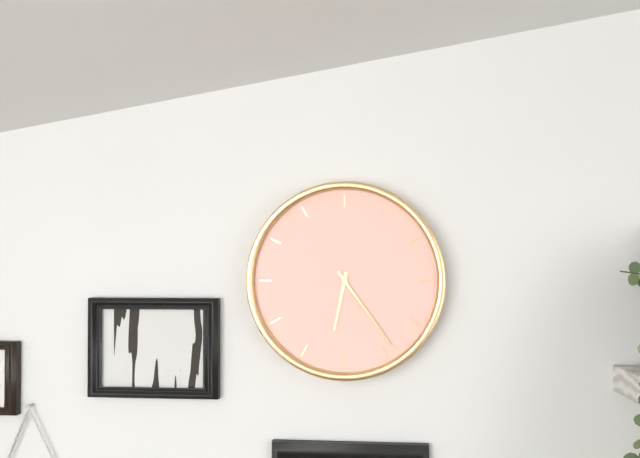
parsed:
6,24
